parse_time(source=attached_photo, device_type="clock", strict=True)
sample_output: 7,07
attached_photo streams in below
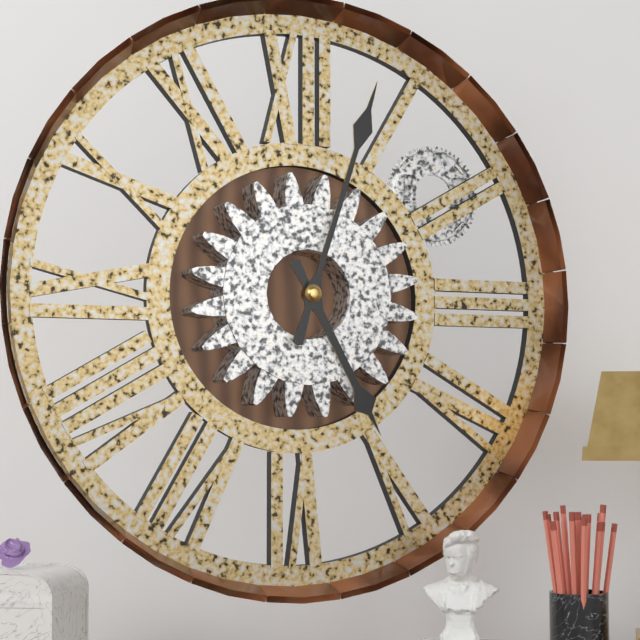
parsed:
5,03
